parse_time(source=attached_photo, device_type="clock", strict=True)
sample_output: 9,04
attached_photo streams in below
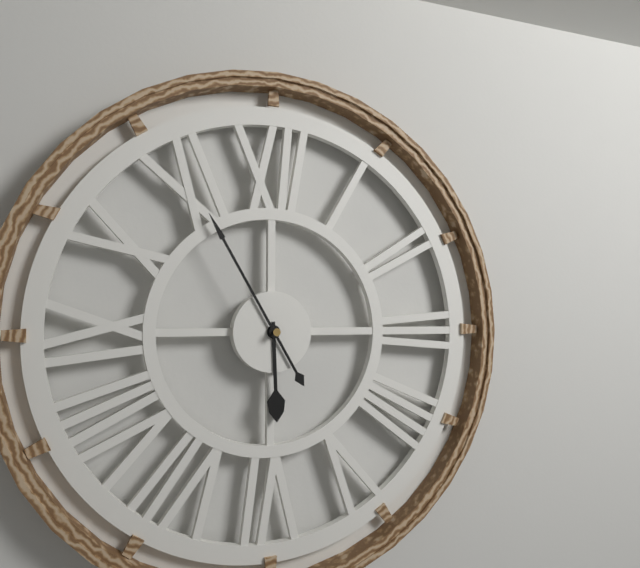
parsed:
5,55
